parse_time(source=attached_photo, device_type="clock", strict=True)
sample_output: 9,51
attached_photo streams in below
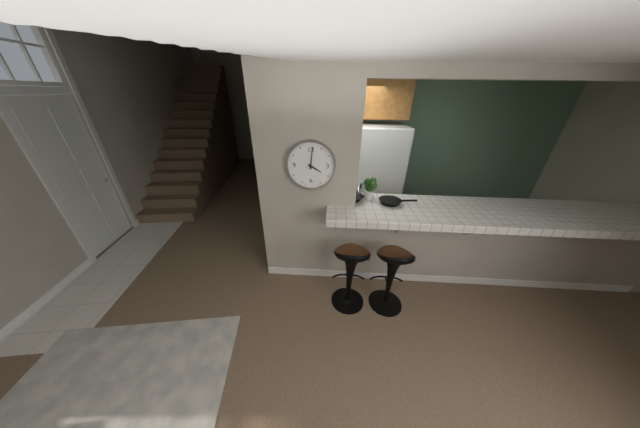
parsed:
4,01
